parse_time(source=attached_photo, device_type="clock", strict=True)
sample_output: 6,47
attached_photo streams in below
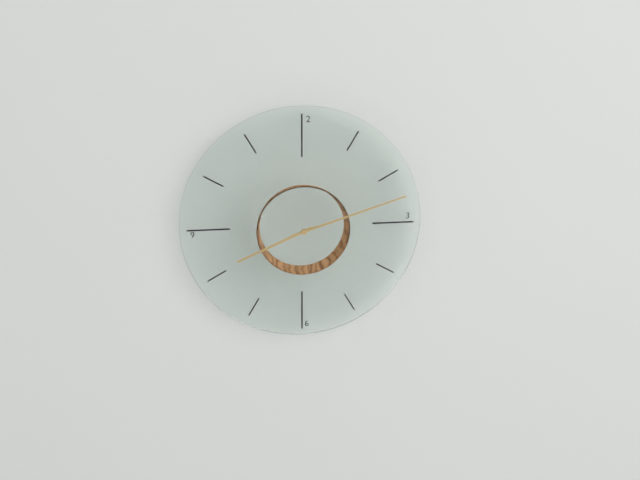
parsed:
8,12
